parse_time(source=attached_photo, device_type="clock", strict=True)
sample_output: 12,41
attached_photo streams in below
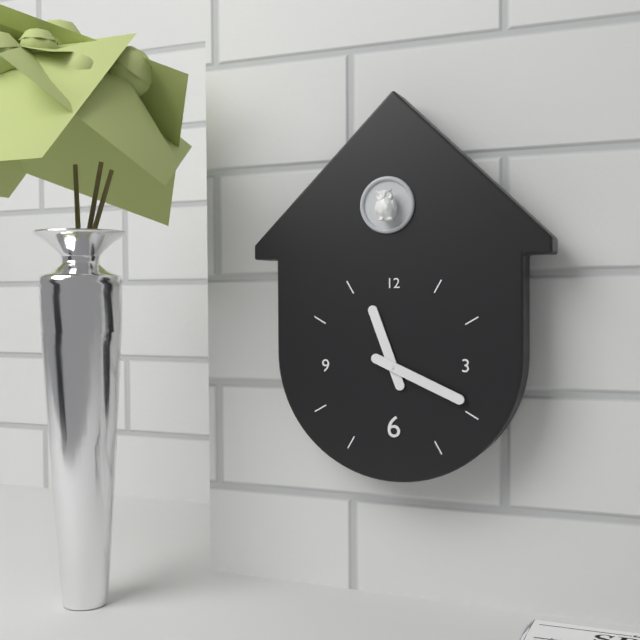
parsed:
11,19
